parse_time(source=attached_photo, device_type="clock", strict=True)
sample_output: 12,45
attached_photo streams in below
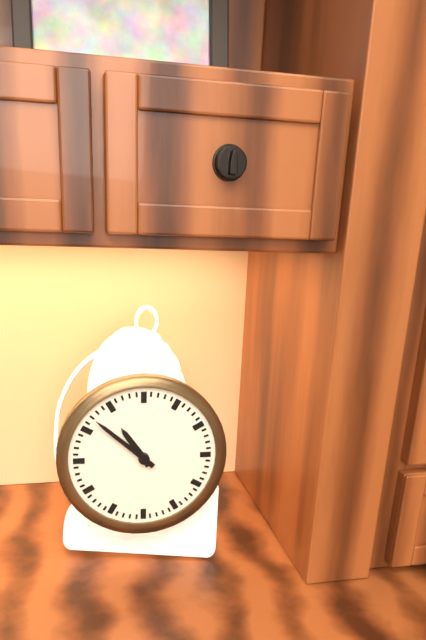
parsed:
10,52
